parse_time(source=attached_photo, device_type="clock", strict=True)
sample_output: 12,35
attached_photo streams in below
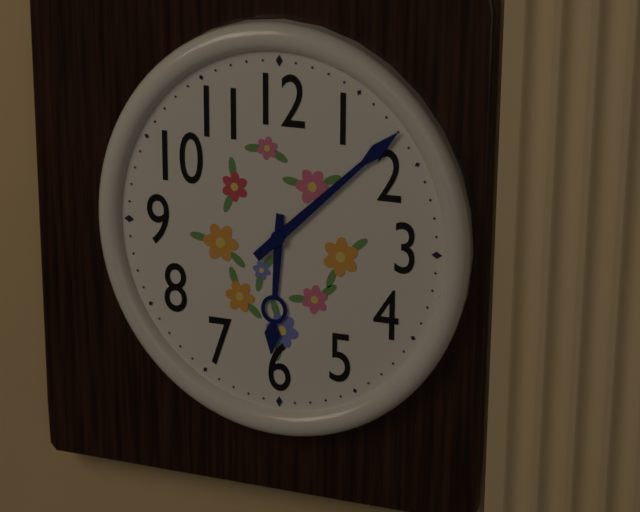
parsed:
6,08
